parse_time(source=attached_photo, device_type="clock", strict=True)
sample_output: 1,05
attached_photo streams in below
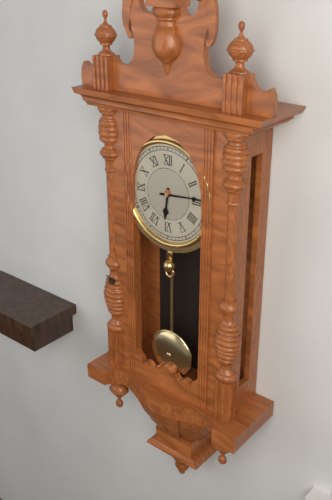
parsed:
6,14
